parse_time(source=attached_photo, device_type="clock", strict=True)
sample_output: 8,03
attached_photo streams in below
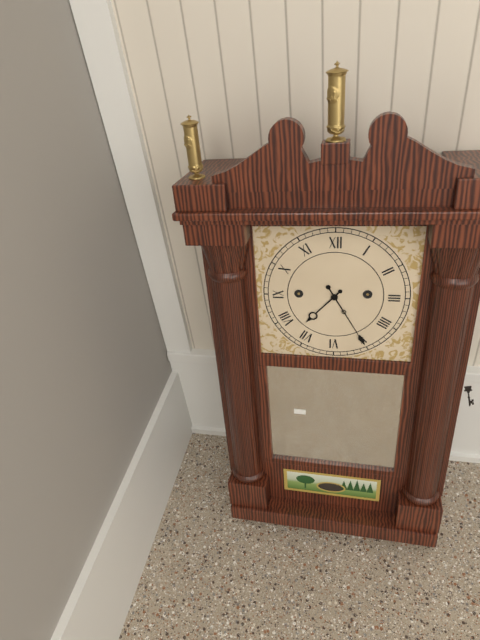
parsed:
7,25
